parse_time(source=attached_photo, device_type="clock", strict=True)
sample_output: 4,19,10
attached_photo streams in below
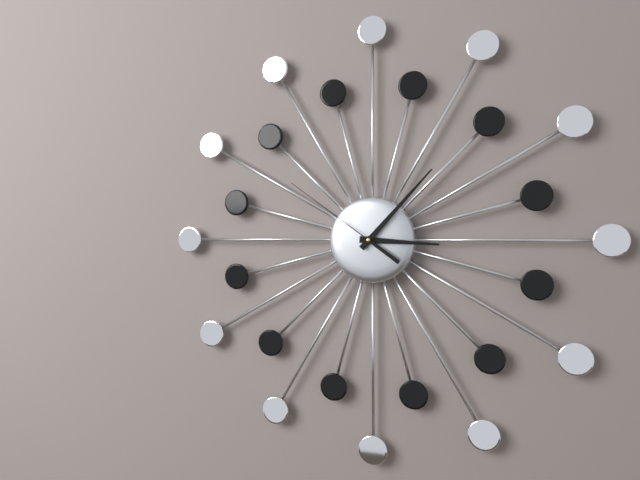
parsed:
3,07,51
